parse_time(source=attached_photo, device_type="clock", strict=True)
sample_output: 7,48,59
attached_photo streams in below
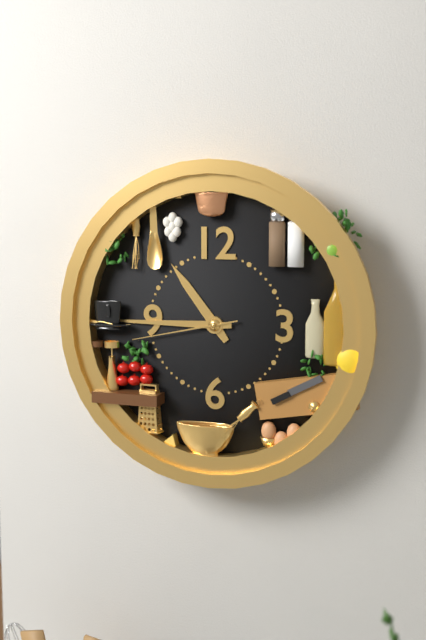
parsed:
10,45,43
